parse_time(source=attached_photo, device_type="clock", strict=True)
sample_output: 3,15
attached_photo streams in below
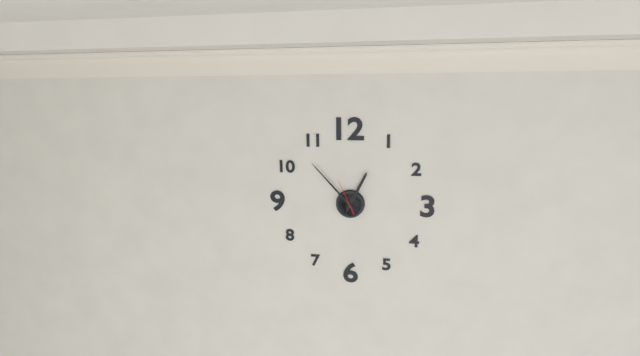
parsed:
12,53
